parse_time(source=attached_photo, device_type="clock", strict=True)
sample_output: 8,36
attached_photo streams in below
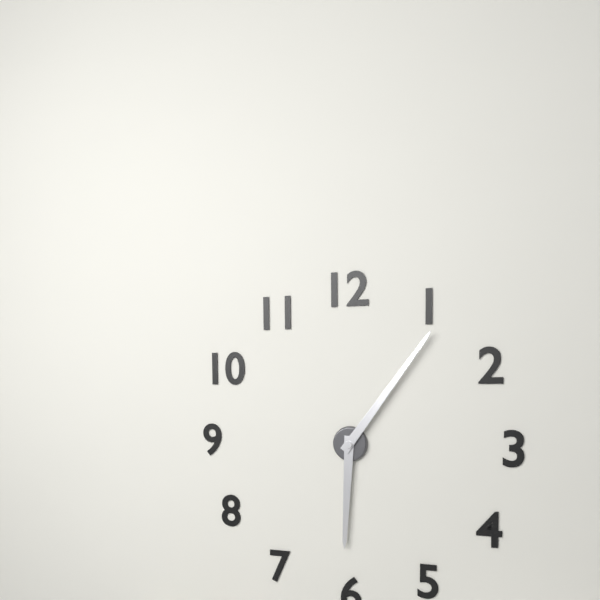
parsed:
6,06
